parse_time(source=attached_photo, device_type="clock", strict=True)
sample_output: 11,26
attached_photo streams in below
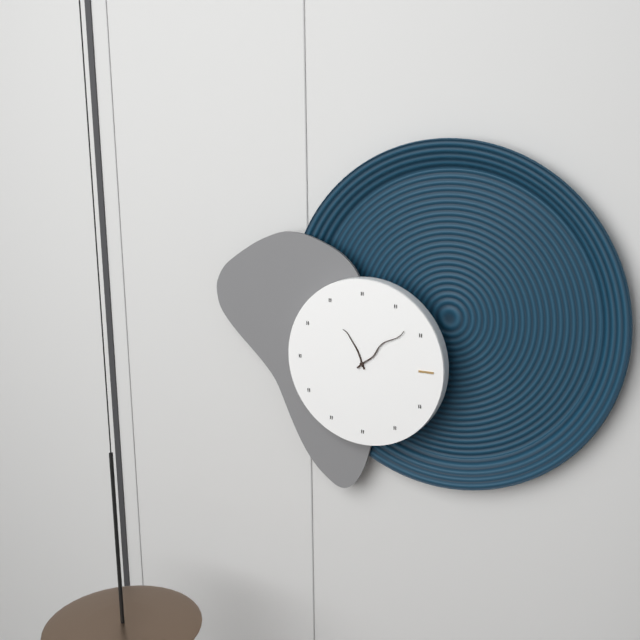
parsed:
11,08
